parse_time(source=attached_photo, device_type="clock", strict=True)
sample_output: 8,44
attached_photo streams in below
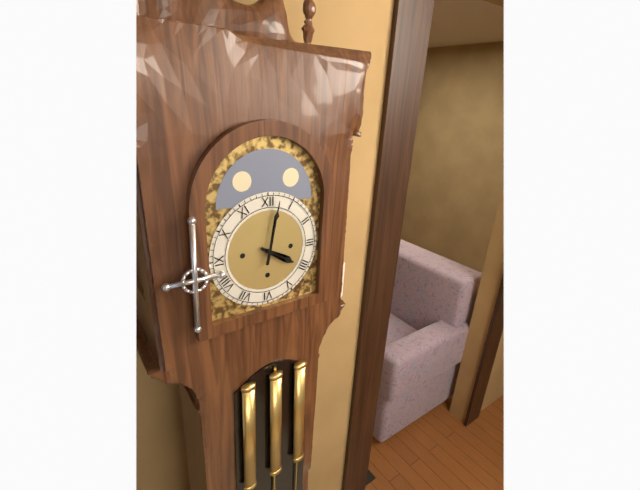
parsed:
4,02
